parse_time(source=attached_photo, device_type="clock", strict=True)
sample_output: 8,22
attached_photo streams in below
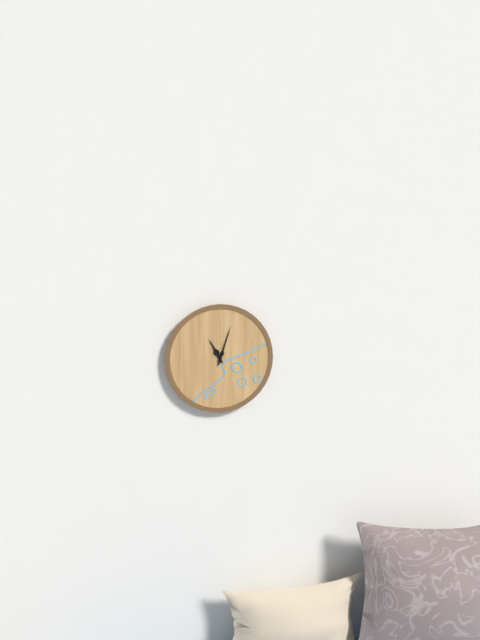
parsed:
11,03
